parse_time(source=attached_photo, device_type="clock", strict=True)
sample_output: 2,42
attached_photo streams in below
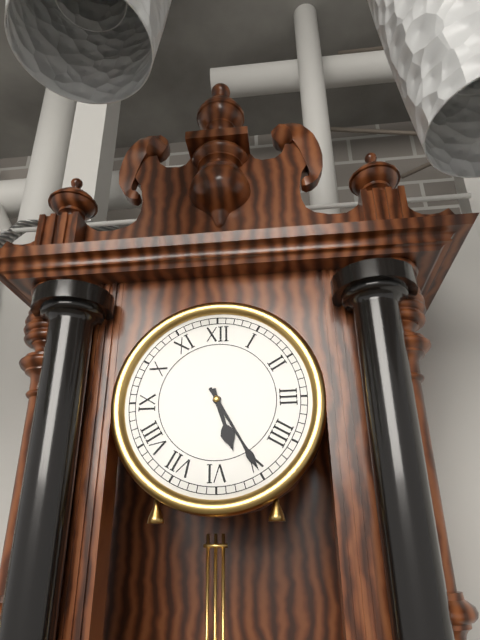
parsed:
5,25
